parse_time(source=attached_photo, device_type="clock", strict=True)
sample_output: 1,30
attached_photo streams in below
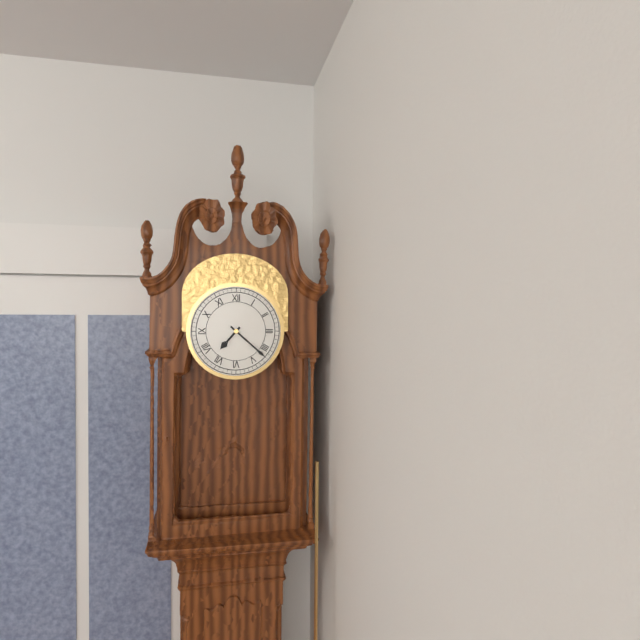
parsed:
7,22
